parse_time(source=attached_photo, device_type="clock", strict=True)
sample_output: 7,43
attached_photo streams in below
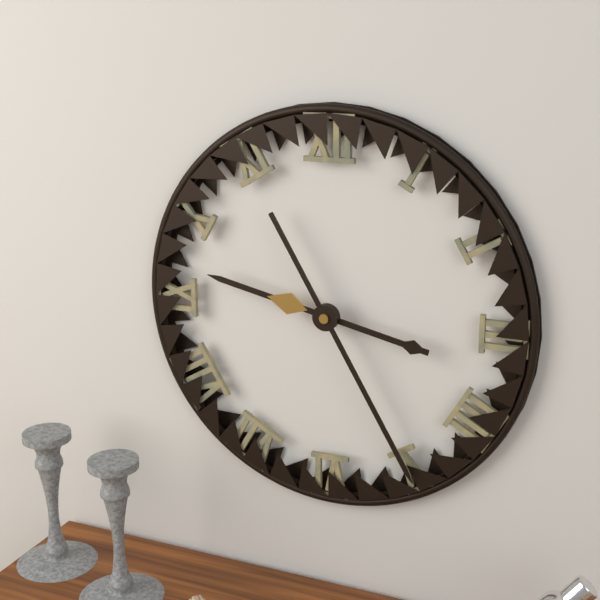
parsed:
9,25
